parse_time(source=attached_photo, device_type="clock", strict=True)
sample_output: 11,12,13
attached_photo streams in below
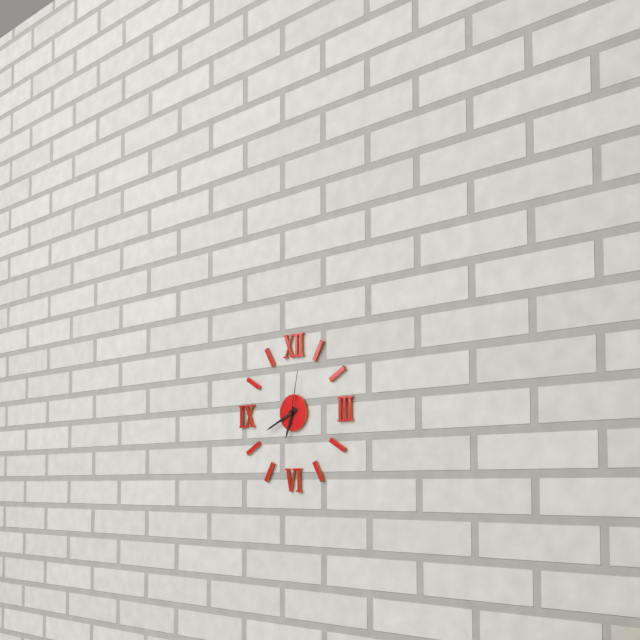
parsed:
6,41,02
